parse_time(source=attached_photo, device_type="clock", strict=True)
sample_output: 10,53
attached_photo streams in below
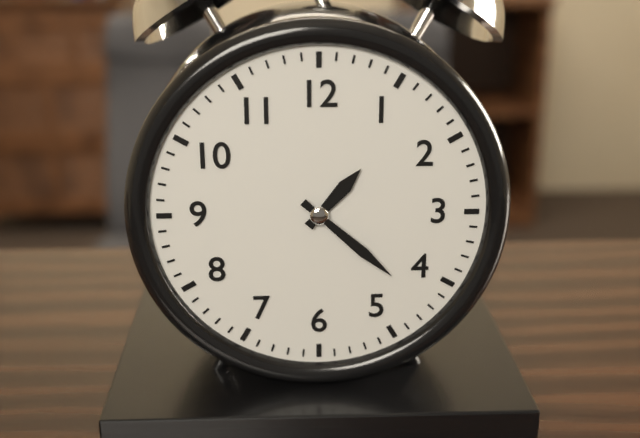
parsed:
1,22
